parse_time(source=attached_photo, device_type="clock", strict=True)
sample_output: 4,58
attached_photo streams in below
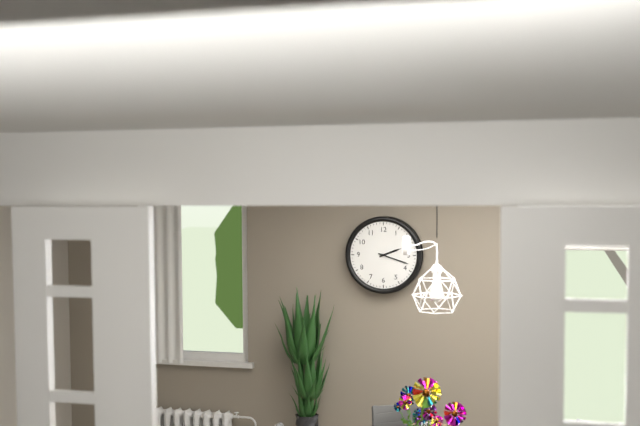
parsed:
2,18
